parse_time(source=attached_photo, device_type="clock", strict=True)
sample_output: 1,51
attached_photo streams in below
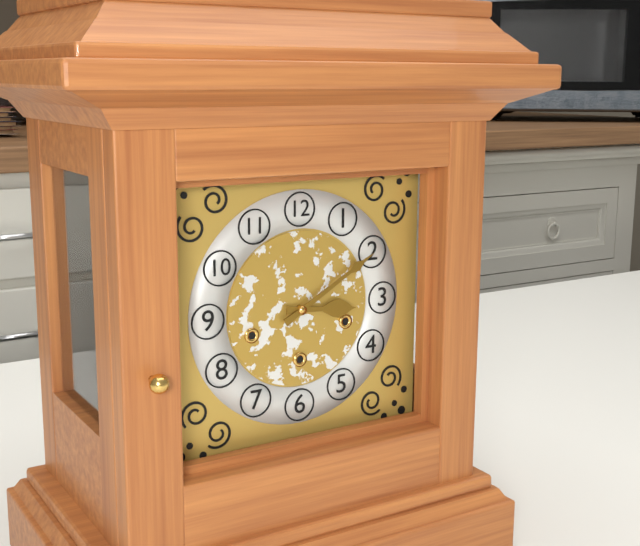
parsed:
3,10
